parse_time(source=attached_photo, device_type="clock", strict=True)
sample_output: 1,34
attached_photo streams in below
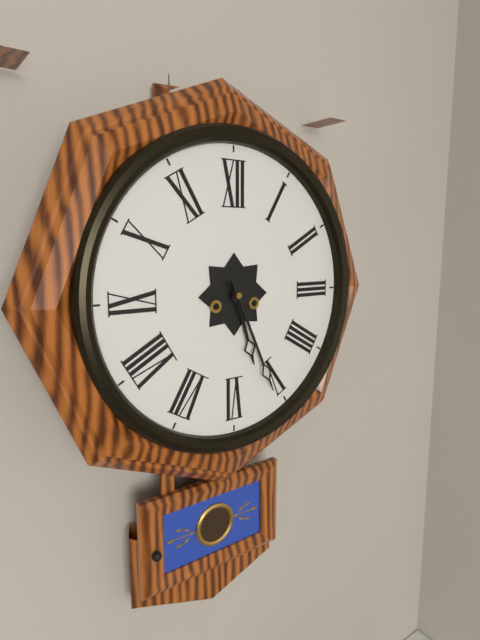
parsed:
5,26
